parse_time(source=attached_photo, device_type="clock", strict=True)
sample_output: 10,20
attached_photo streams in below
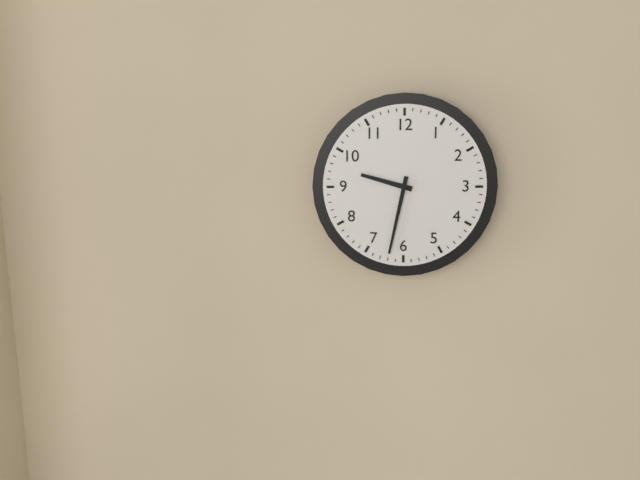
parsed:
9,32
